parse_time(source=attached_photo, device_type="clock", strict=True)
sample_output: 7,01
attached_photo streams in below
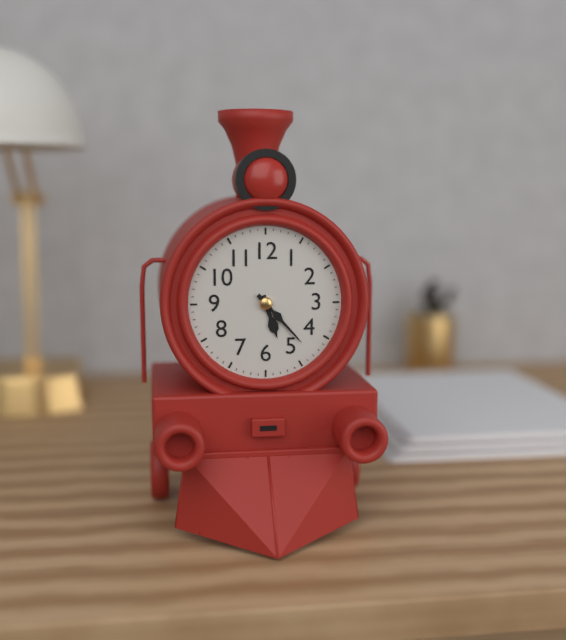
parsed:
5,23
